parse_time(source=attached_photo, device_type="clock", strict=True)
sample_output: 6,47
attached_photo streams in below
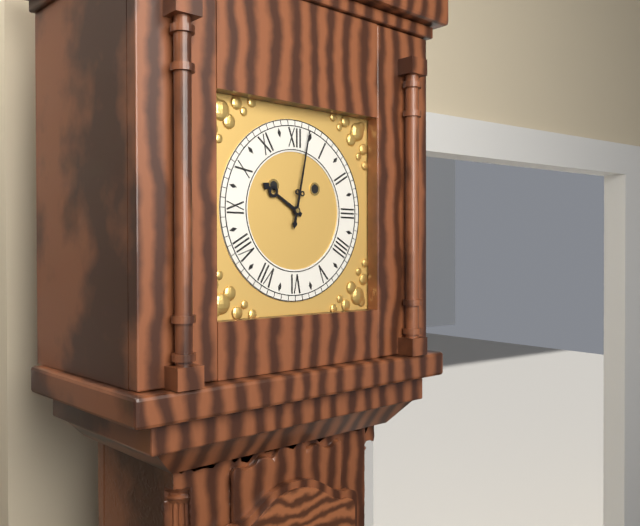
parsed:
10,02
